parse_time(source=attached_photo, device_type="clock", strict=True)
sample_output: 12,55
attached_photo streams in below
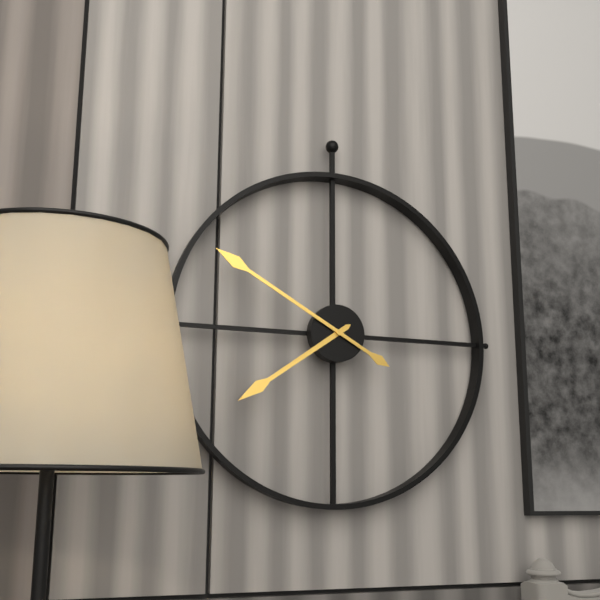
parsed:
7,50
